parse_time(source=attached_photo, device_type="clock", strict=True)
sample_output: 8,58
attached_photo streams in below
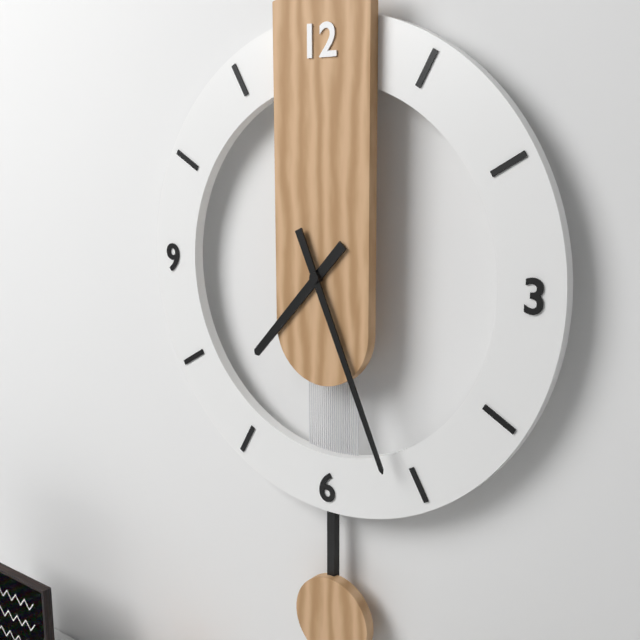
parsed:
7,26
